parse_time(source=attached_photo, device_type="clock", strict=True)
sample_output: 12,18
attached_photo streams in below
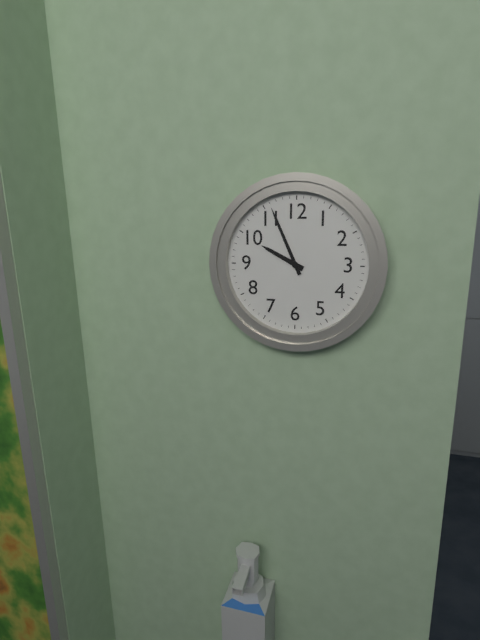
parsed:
9,56
